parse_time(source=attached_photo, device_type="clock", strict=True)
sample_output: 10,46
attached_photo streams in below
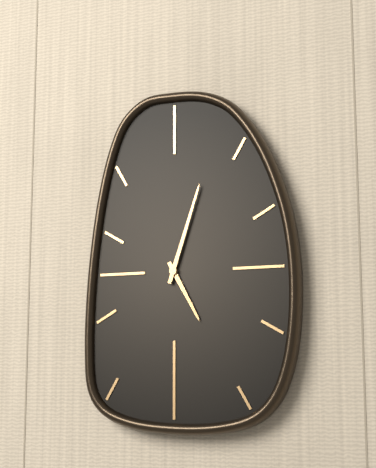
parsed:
5,03
